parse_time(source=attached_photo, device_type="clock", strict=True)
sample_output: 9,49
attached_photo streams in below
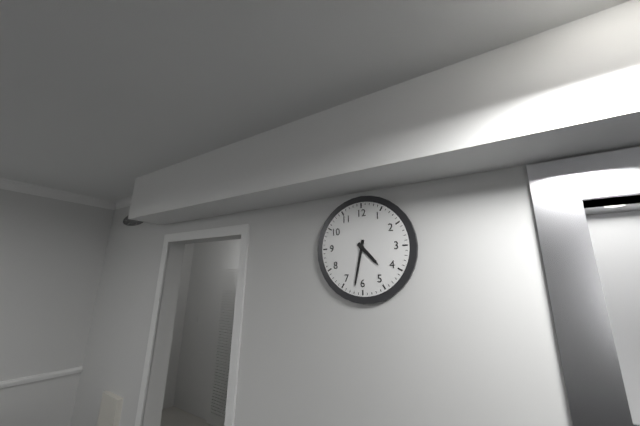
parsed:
4,32
